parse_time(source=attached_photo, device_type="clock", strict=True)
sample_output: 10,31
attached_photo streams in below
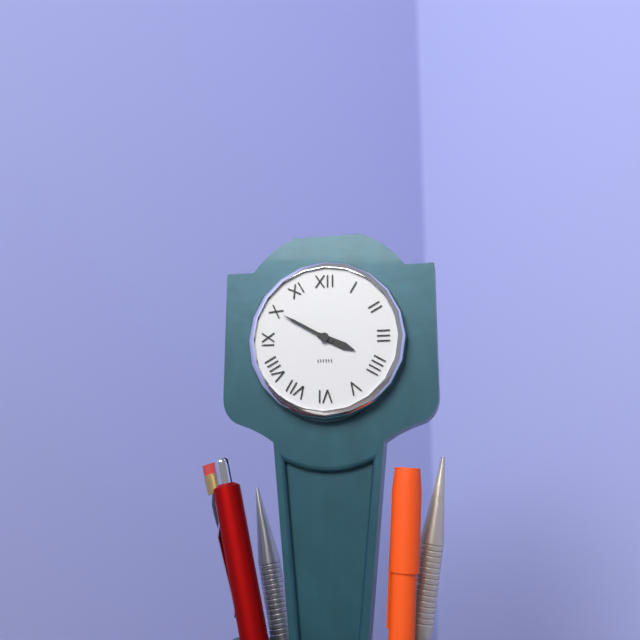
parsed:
3,50
